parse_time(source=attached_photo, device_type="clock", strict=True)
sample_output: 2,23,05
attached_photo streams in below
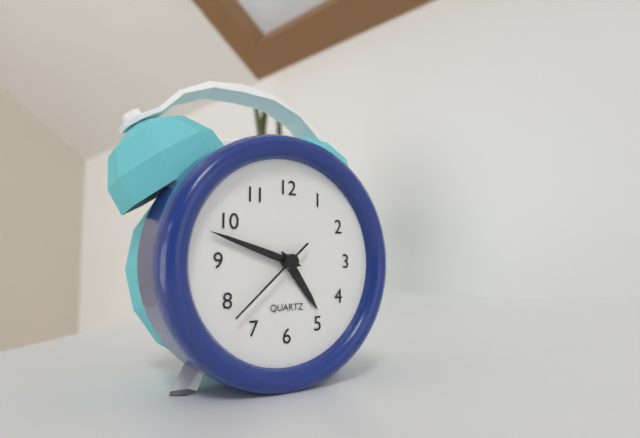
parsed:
4,48,38
